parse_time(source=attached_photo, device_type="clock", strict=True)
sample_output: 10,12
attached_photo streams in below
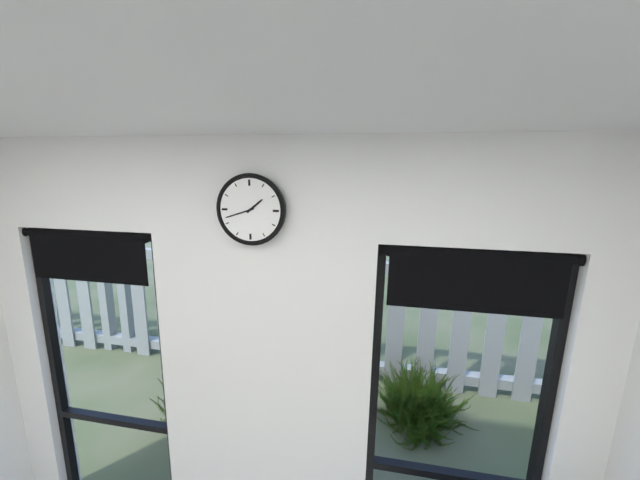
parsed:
1,42
